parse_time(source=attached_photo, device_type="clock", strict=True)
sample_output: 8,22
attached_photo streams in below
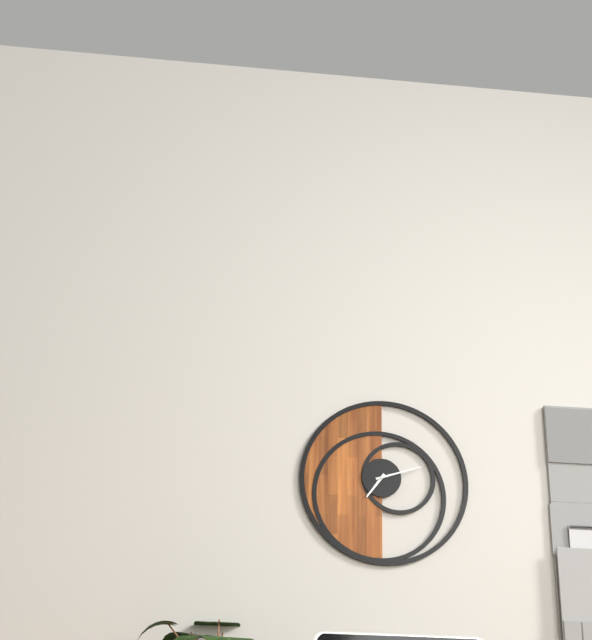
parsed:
7,12
